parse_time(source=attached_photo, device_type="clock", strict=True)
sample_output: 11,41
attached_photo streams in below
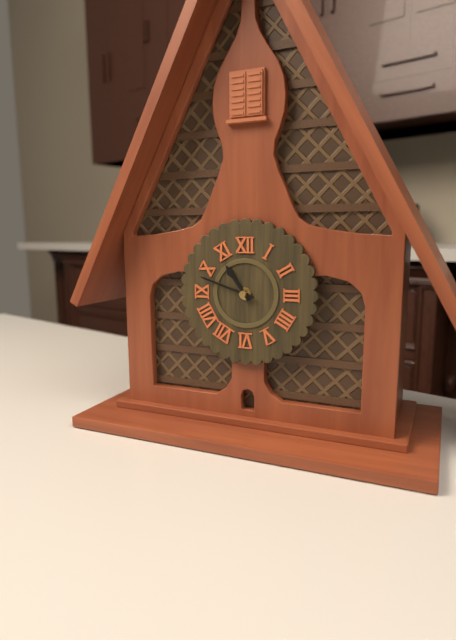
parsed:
10,48
